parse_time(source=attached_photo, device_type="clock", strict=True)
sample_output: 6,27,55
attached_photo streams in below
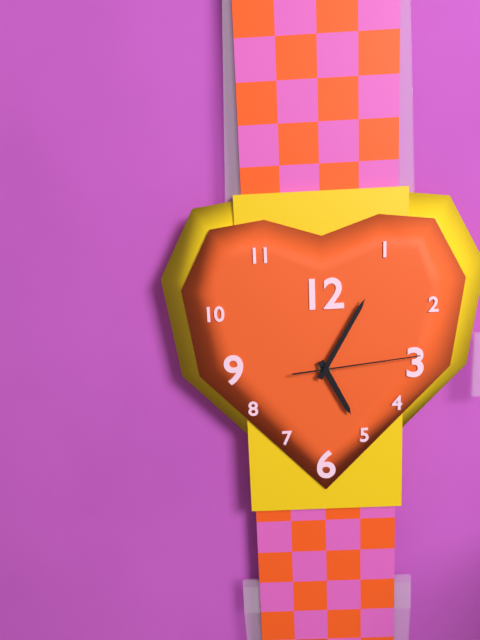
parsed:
5,05,14
